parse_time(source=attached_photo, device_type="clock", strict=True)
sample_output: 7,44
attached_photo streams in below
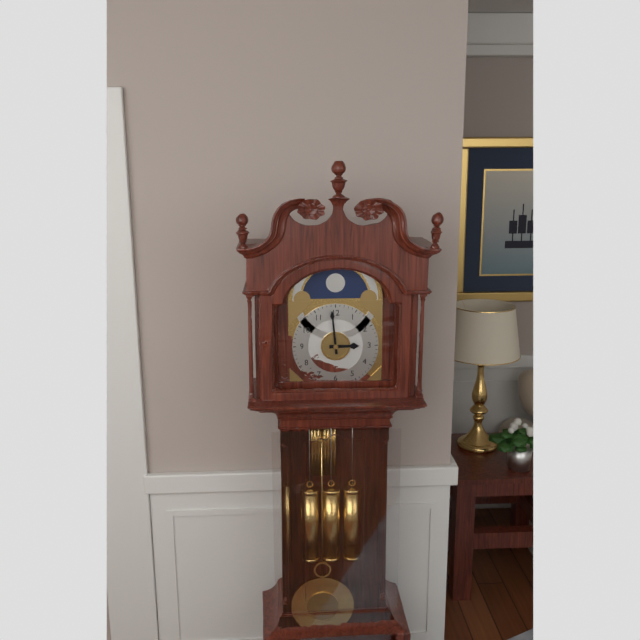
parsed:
2,59
